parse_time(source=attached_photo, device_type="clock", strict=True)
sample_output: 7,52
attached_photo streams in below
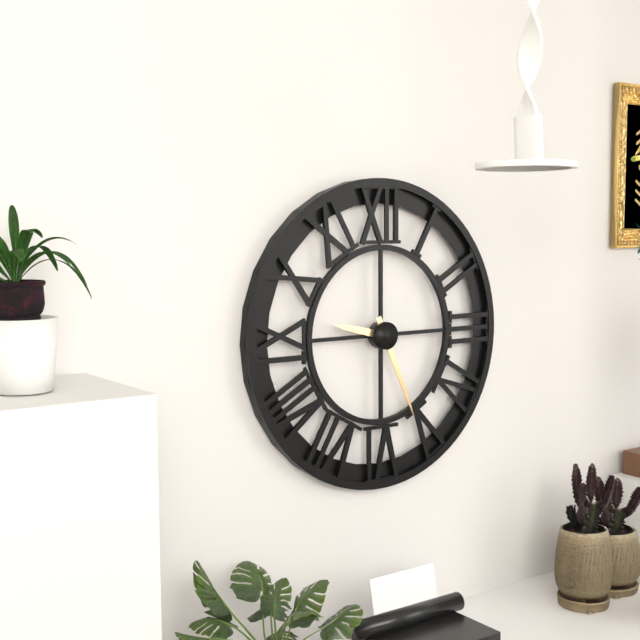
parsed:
9,26
